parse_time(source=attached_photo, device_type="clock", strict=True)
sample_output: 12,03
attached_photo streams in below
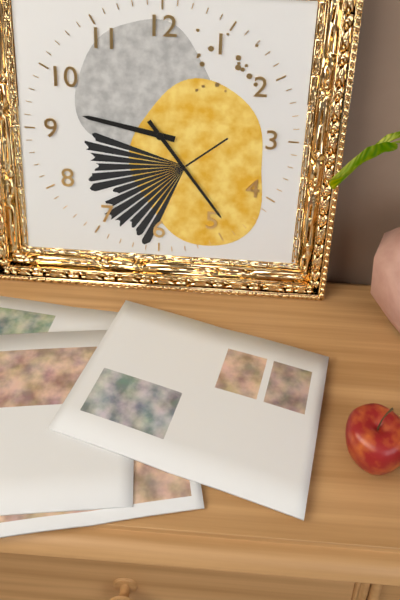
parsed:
9,24
